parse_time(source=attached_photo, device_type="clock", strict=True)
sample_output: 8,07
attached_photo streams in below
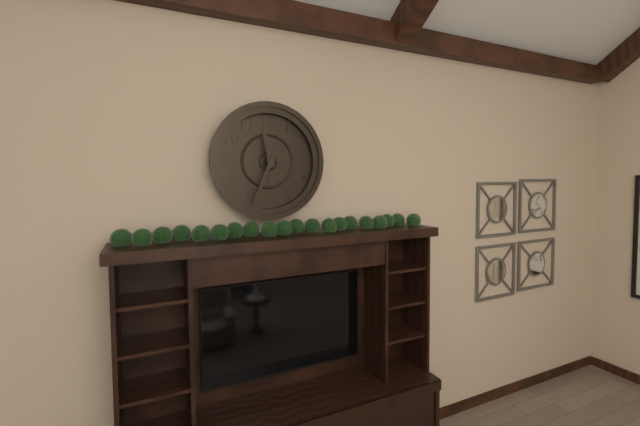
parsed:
11,34
